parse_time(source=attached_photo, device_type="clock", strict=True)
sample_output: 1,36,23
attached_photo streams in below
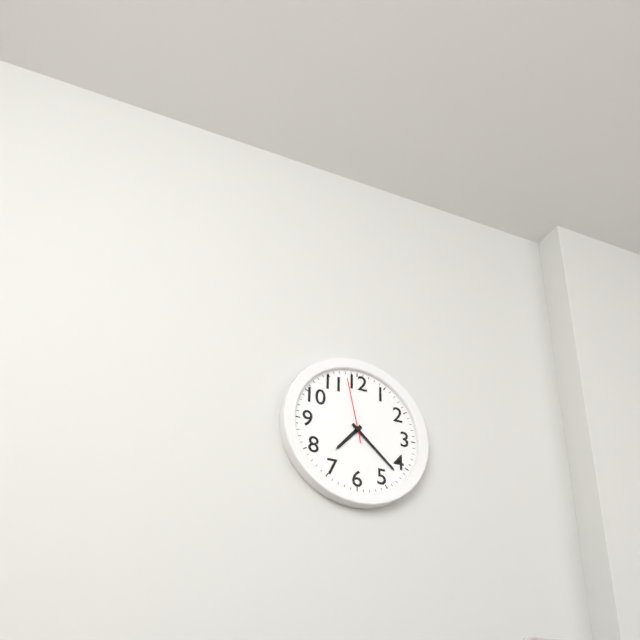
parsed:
7,22,58
